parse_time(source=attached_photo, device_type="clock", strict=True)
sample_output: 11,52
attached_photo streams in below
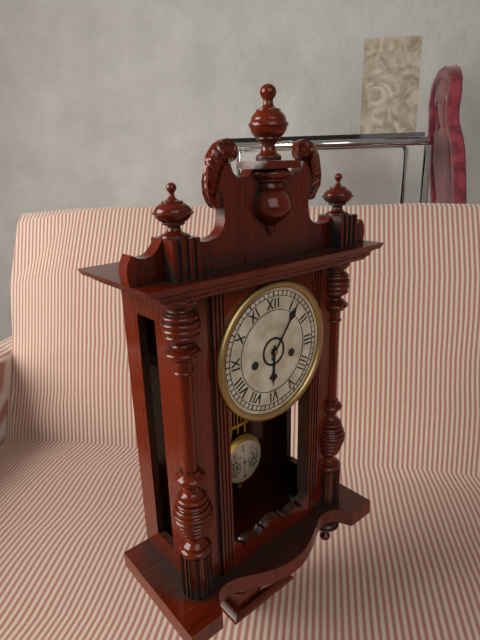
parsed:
6,06
